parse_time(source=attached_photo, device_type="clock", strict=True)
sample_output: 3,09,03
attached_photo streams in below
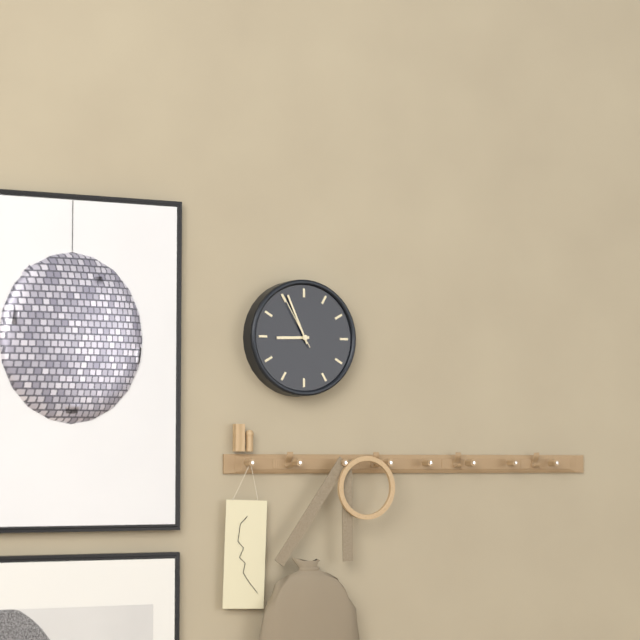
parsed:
8,56,55
